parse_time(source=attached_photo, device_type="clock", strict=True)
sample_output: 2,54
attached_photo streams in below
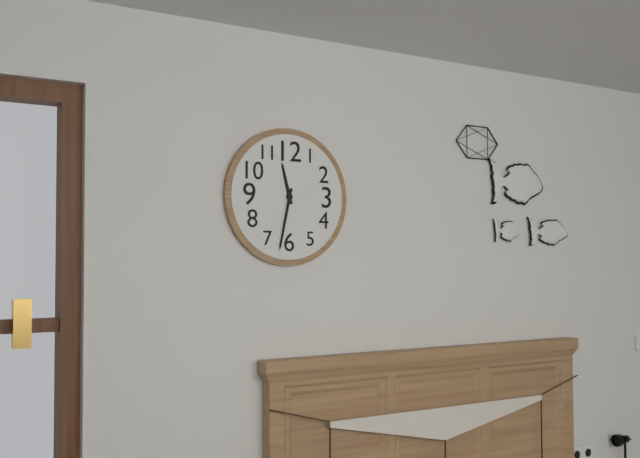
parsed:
11,32
